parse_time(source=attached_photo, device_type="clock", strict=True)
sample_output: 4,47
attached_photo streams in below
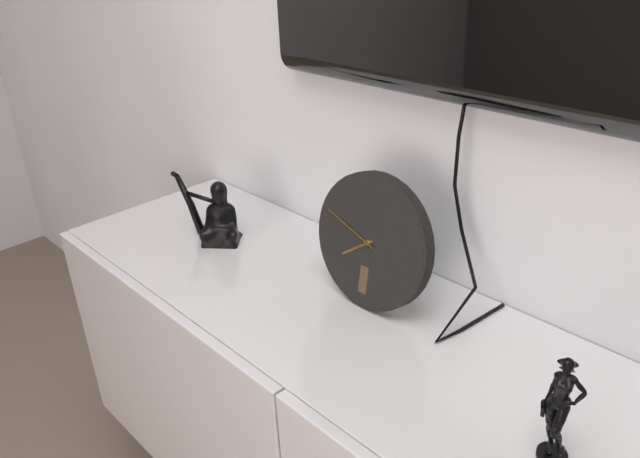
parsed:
7,48
